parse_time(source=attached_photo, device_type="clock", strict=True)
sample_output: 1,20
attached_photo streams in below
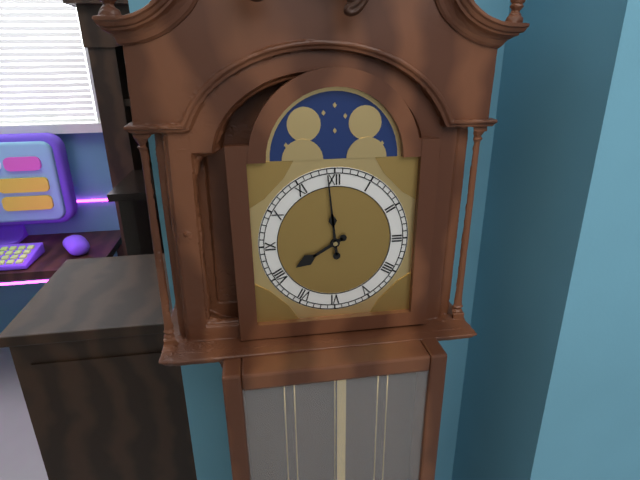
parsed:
7,59
